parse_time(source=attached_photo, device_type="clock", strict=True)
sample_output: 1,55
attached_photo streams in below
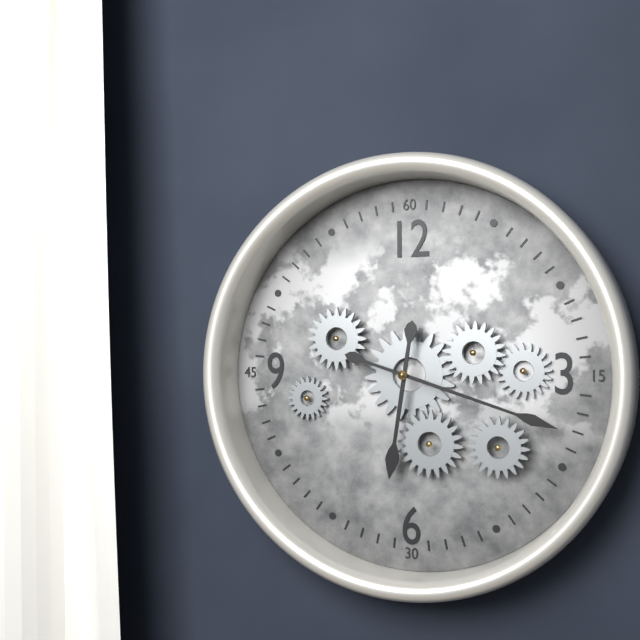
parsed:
6,18
